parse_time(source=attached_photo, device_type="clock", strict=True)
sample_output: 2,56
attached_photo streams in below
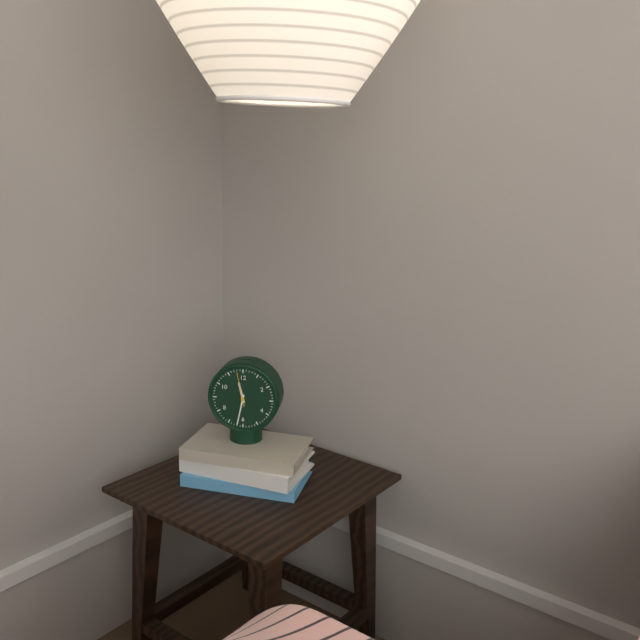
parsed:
11,32
